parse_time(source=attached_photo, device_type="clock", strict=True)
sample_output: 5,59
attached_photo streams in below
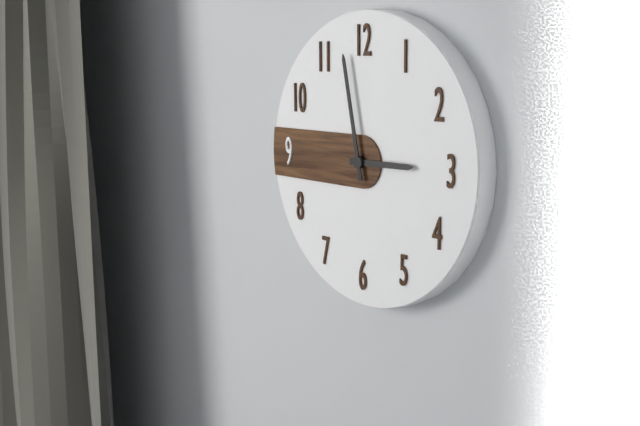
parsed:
2,58
